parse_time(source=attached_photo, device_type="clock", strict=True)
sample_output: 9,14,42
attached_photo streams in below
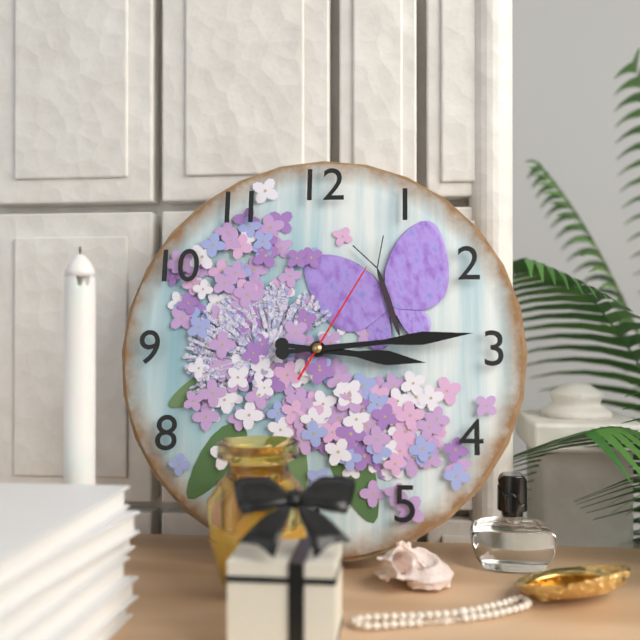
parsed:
3,14,05
